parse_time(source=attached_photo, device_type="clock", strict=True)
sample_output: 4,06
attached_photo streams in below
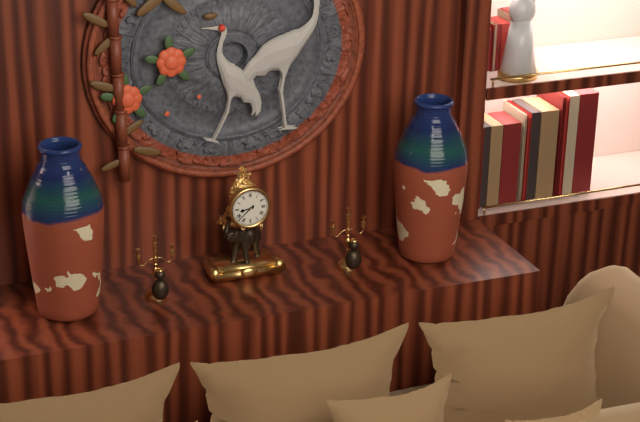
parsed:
8,38
